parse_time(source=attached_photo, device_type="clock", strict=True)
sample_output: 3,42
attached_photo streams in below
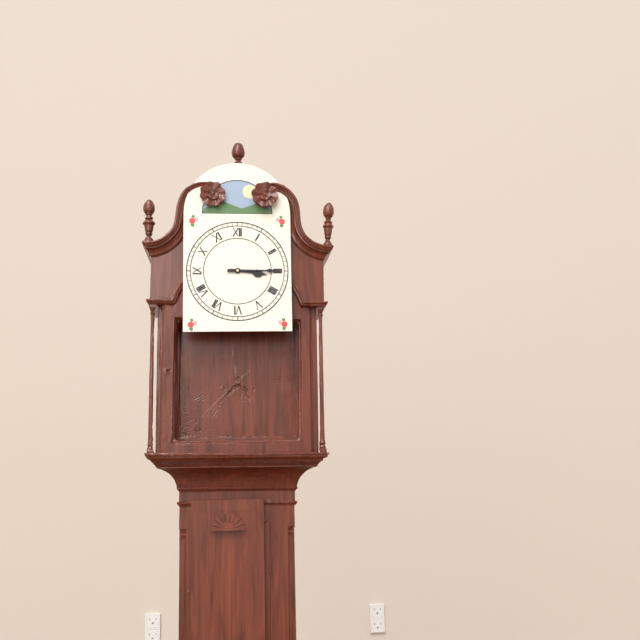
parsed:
3,15
